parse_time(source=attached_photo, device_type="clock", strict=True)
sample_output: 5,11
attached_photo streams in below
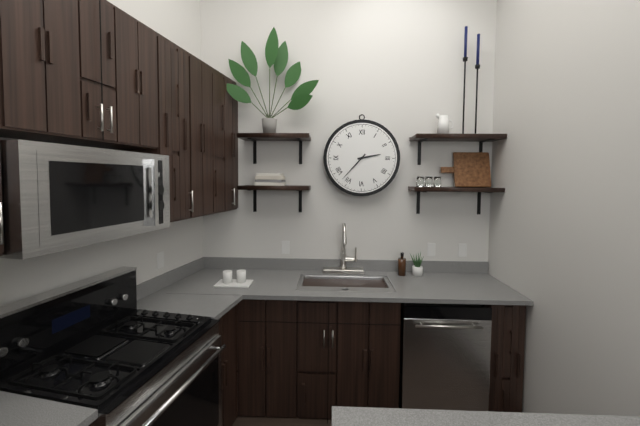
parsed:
2,37
